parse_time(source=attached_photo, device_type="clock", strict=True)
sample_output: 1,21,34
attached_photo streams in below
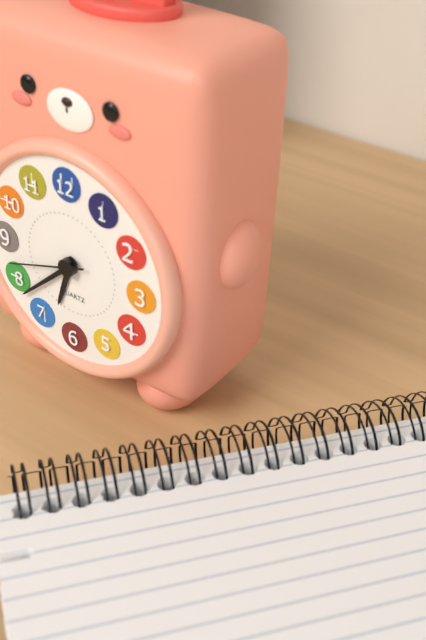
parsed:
6,38,42
